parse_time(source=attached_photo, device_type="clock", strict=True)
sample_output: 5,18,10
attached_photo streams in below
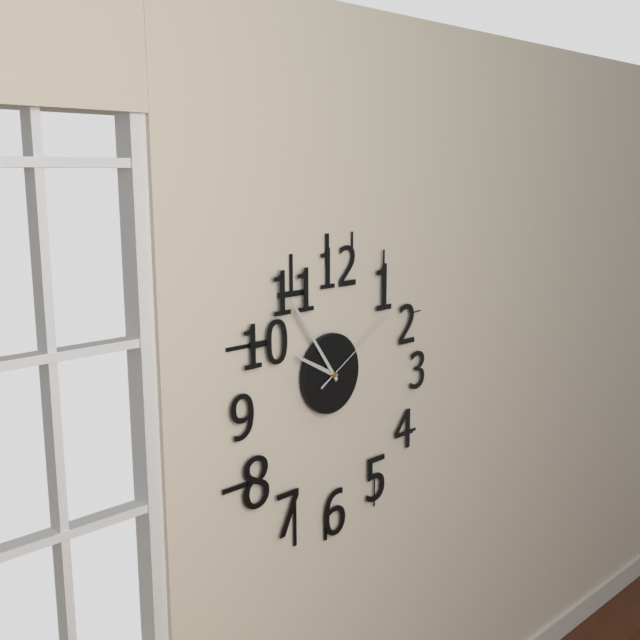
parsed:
9,54,10
